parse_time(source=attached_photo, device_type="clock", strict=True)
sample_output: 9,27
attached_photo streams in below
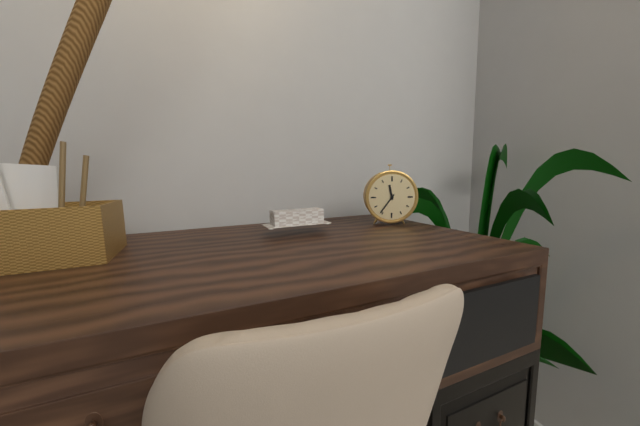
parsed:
11,36
